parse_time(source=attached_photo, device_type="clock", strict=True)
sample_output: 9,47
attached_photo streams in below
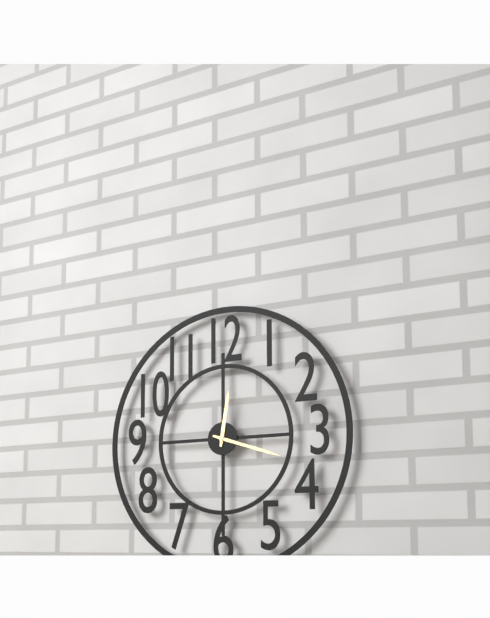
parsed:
12,18
